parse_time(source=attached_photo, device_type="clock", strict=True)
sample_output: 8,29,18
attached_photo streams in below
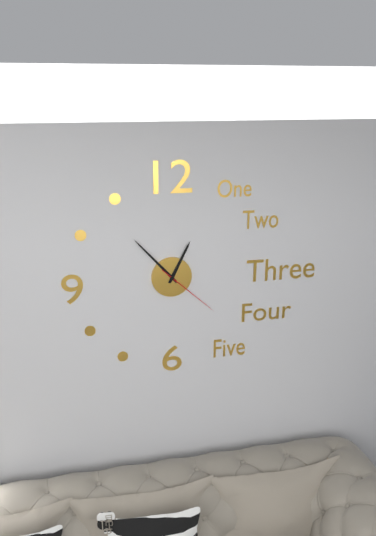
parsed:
12,53,22
